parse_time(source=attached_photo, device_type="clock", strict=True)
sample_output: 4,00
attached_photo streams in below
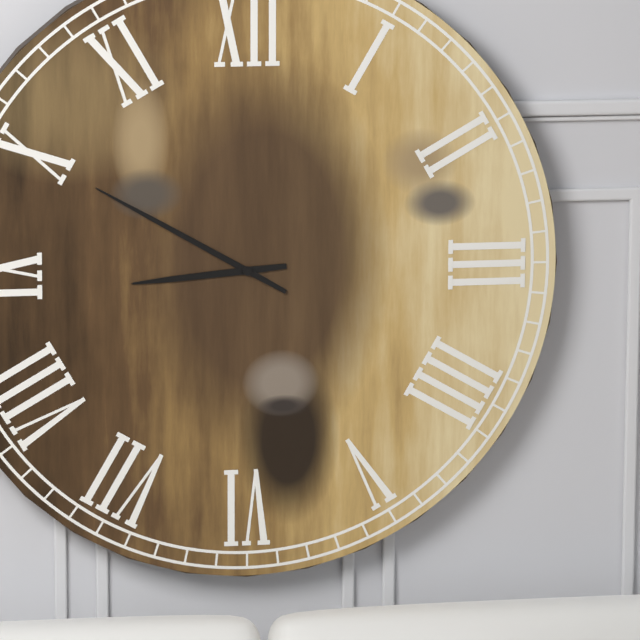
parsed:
8,50
